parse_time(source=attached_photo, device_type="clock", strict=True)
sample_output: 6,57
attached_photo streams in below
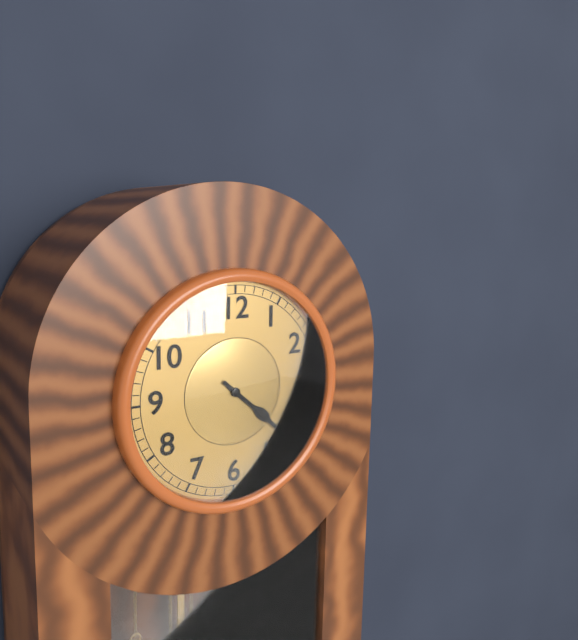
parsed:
4,22
